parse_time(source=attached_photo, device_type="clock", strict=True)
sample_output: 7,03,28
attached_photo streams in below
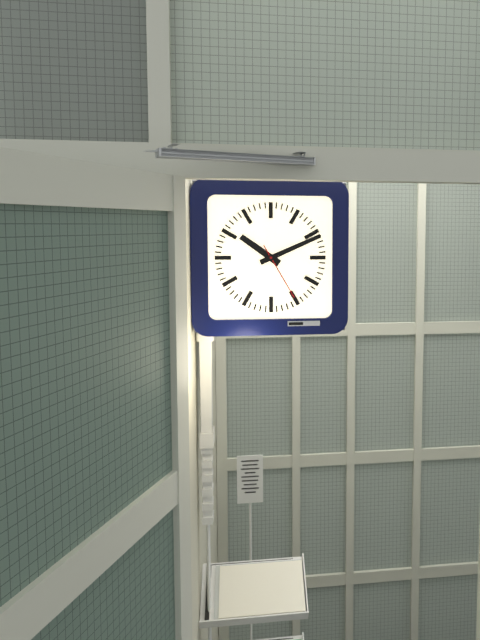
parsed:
10,11,25
